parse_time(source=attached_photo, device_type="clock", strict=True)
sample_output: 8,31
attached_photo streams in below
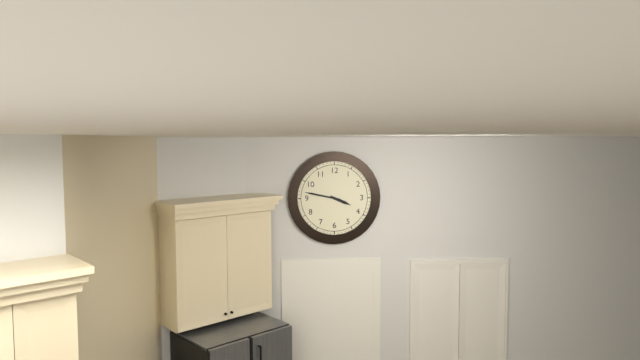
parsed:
3,47
